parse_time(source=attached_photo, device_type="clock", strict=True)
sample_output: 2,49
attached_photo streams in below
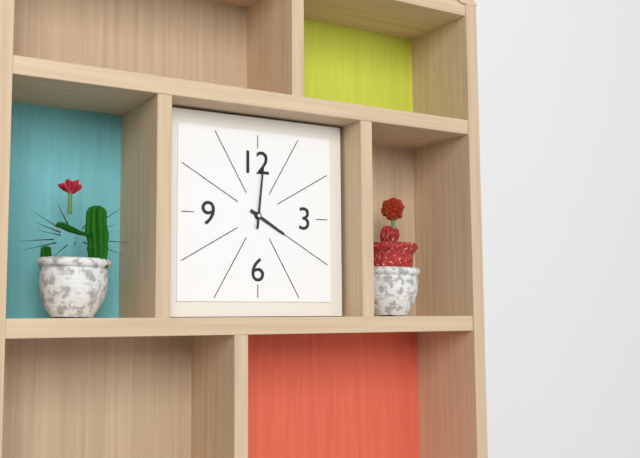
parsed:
4,01
